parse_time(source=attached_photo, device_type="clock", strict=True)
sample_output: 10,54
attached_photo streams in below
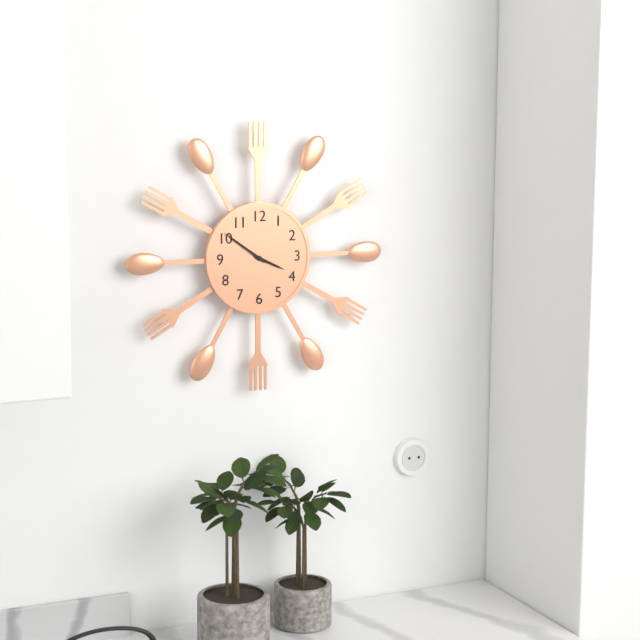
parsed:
3,51
